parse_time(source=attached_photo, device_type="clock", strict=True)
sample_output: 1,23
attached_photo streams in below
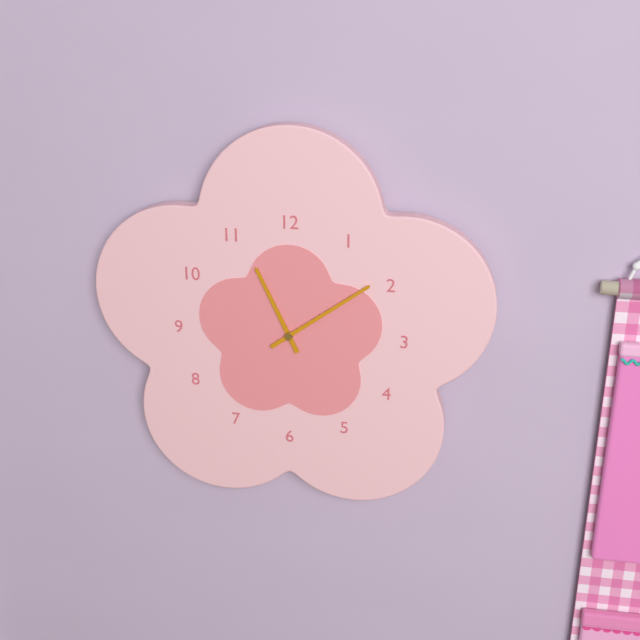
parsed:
11,09
